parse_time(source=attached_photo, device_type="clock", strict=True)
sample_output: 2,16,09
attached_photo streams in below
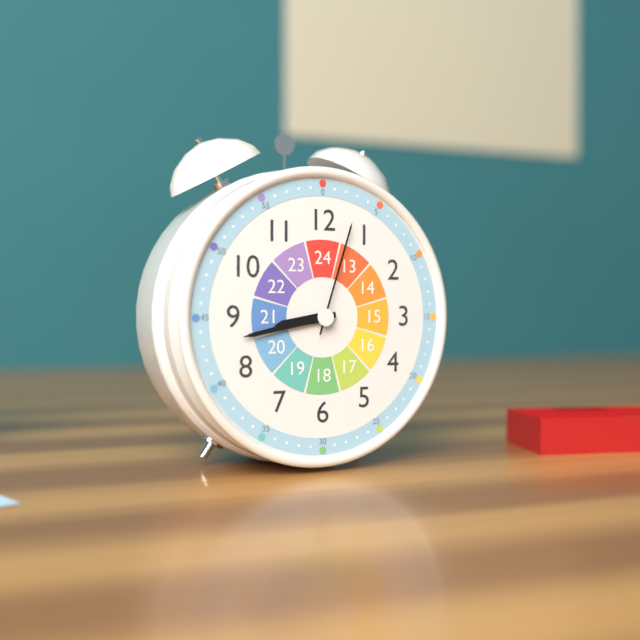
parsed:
8,43,03
